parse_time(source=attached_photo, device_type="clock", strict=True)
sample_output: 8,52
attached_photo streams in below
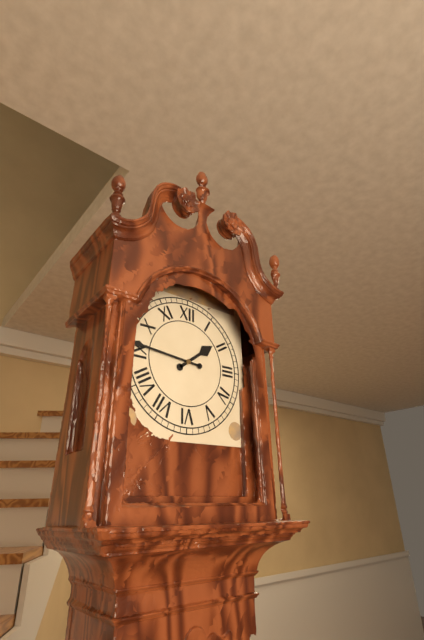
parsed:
1,46
